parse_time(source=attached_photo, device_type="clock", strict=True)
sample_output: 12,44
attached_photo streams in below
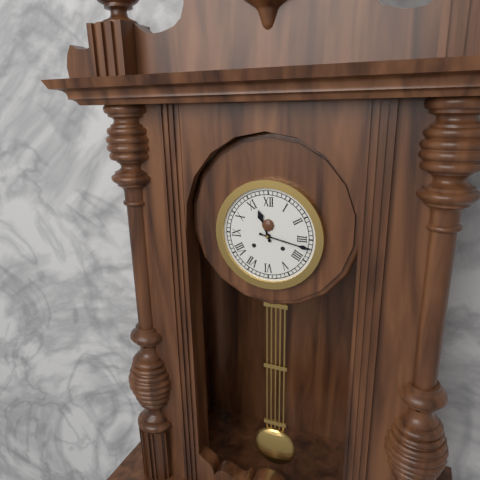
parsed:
11,17
